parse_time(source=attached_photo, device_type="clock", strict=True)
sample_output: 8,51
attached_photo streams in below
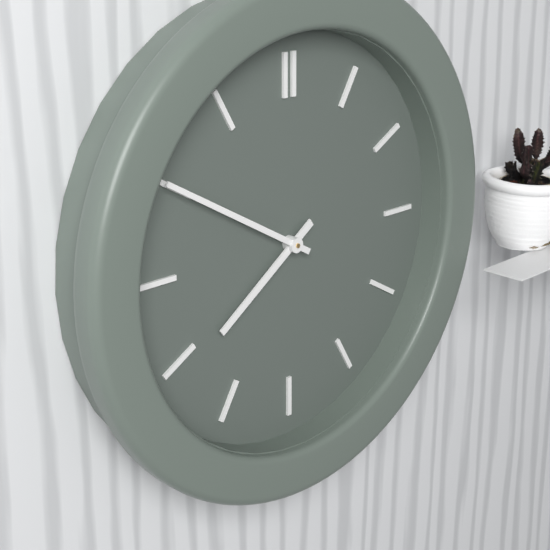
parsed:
7,50
